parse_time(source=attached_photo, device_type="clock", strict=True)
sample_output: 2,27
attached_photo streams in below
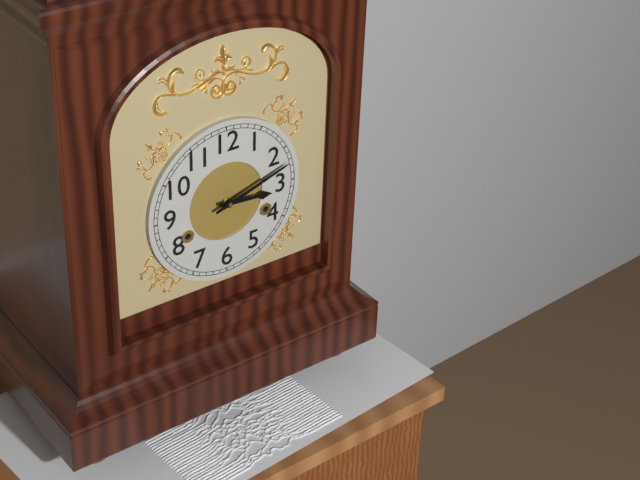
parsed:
3,12
